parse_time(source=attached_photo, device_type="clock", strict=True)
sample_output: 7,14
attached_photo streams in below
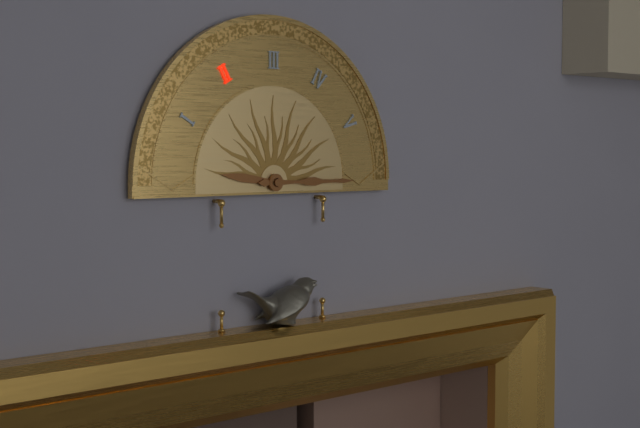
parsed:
9,15
